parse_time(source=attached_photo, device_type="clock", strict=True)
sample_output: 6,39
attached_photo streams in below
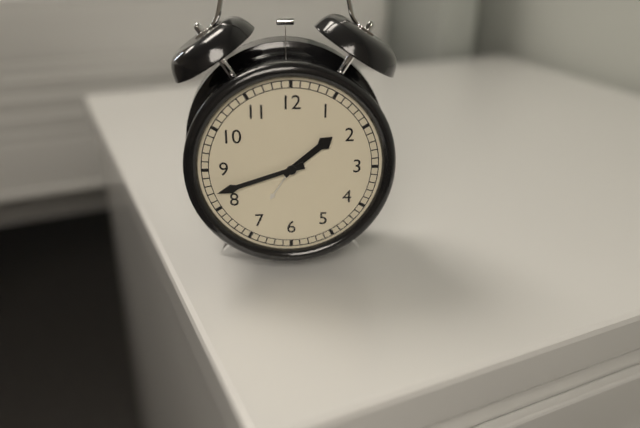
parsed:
1,42
